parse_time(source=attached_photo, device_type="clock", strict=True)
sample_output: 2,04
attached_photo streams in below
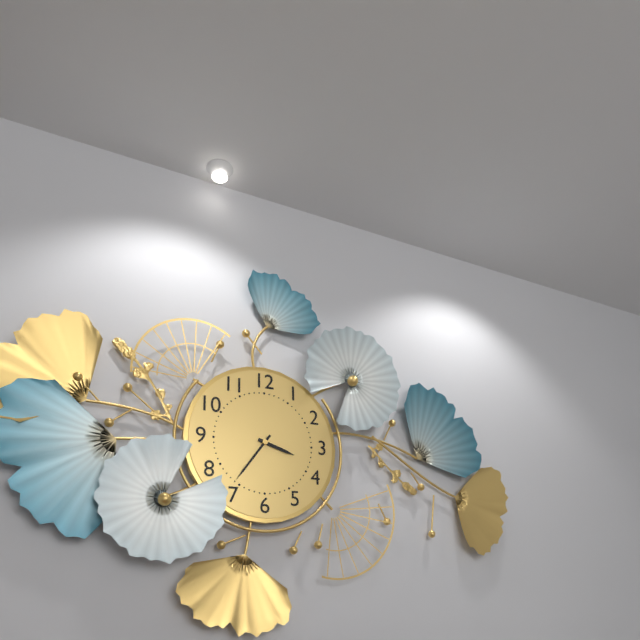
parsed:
3,36
